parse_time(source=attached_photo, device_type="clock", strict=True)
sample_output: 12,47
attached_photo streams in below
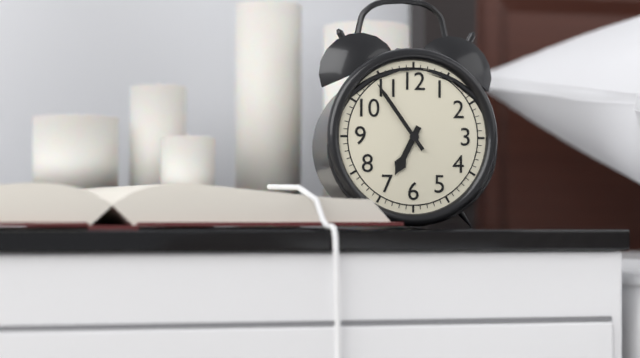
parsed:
6,54
